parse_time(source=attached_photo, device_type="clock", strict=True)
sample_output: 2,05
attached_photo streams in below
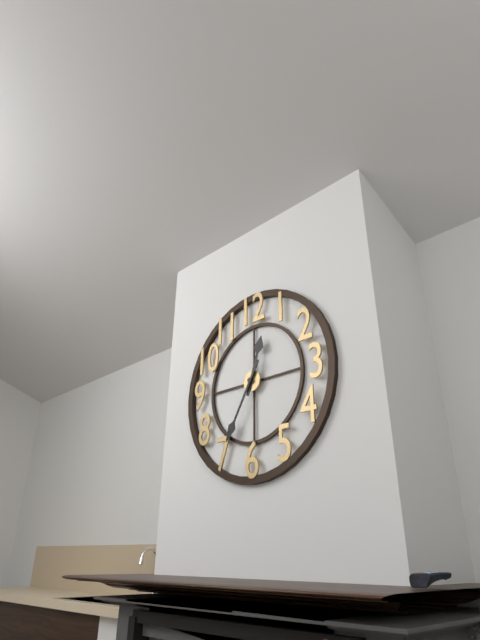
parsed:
12,35
